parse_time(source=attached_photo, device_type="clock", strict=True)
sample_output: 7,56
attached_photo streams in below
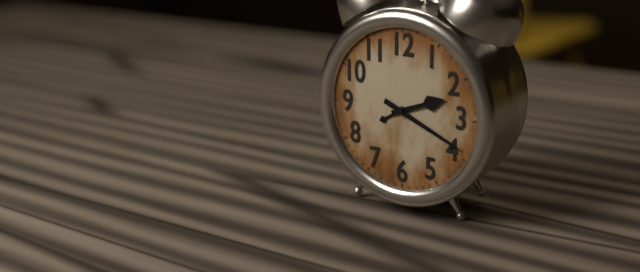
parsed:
2,19
